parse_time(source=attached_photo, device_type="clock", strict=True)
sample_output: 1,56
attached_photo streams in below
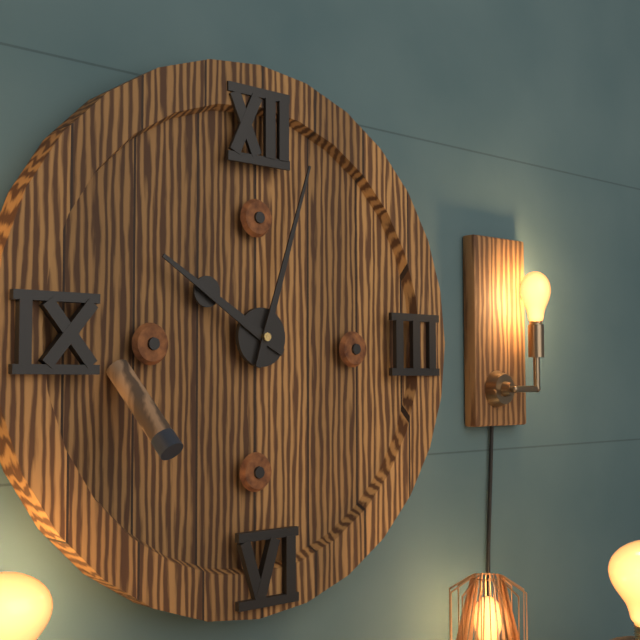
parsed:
10,03
